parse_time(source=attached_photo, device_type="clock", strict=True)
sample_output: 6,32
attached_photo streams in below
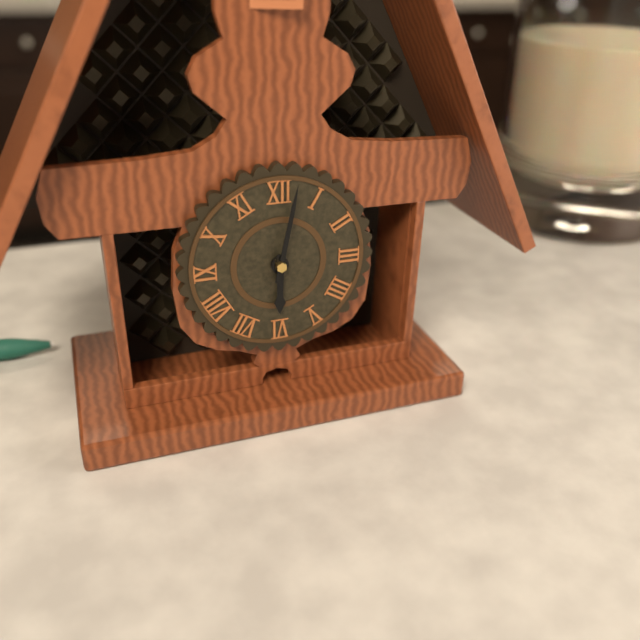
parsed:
6,02
